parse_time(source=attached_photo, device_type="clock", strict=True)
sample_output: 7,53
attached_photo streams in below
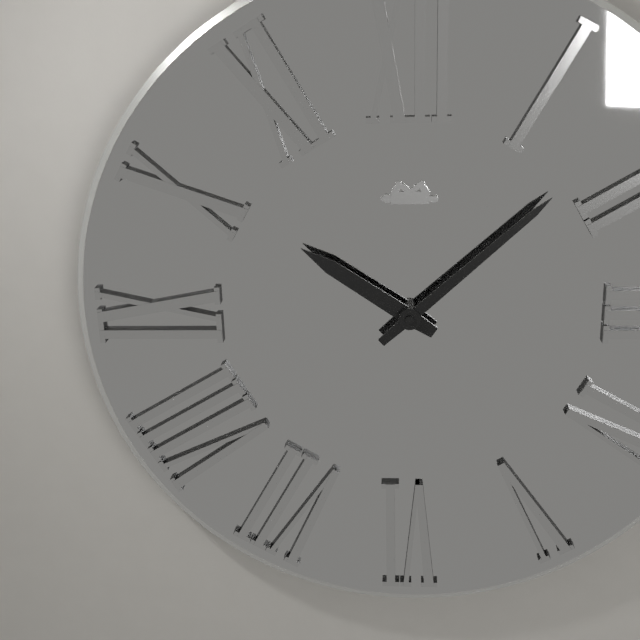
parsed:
10,08
